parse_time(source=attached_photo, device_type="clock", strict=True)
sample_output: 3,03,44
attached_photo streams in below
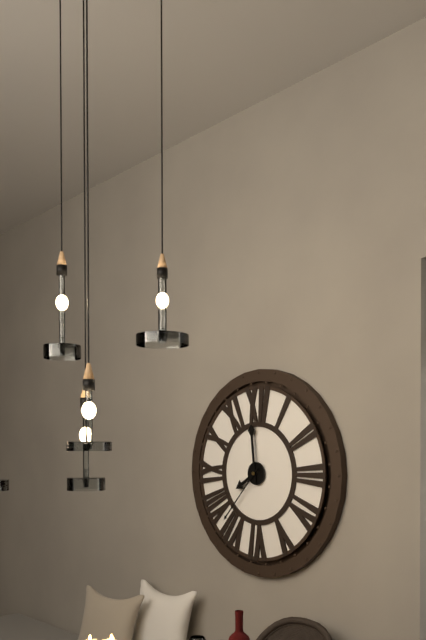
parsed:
7,59,37
